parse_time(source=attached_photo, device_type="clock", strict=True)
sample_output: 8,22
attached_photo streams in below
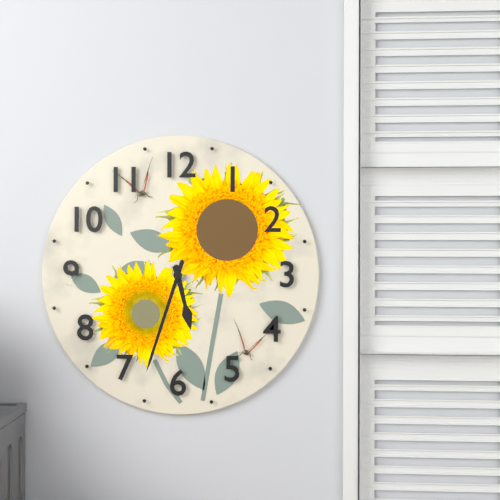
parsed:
5,33
